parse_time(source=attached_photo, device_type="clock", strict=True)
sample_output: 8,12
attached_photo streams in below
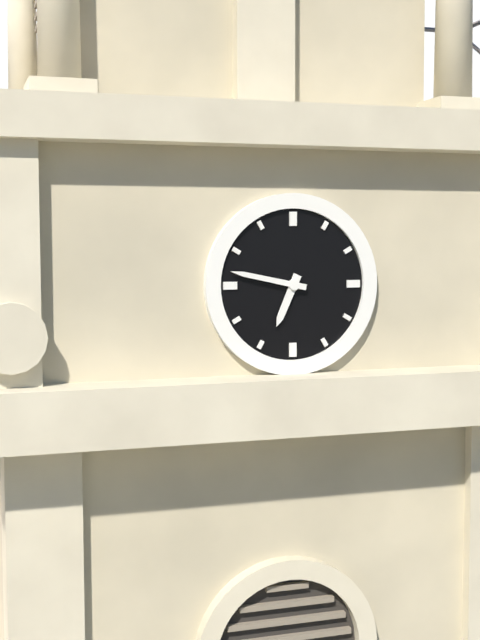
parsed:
6,47
